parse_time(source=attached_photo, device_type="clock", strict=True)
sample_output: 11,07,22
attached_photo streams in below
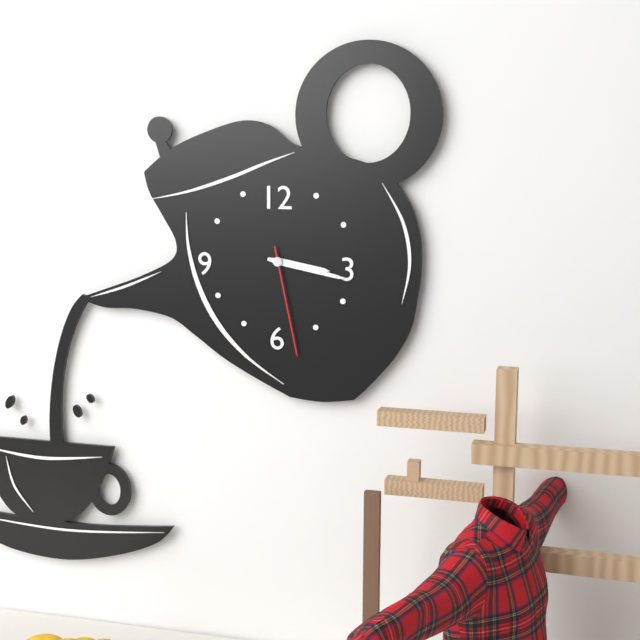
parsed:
3,17,28
